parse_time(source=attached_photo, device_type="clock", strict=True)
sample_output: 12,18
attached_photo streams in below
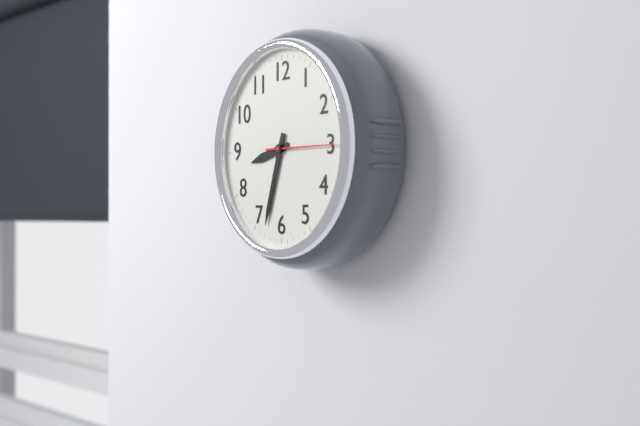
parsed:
8,33
